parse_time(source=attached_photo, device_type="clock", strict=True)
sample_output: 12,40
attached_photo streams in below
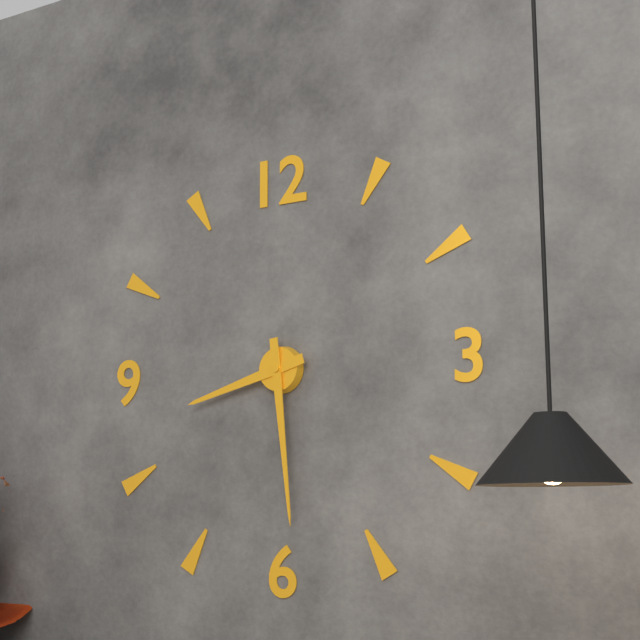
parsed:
8,29
